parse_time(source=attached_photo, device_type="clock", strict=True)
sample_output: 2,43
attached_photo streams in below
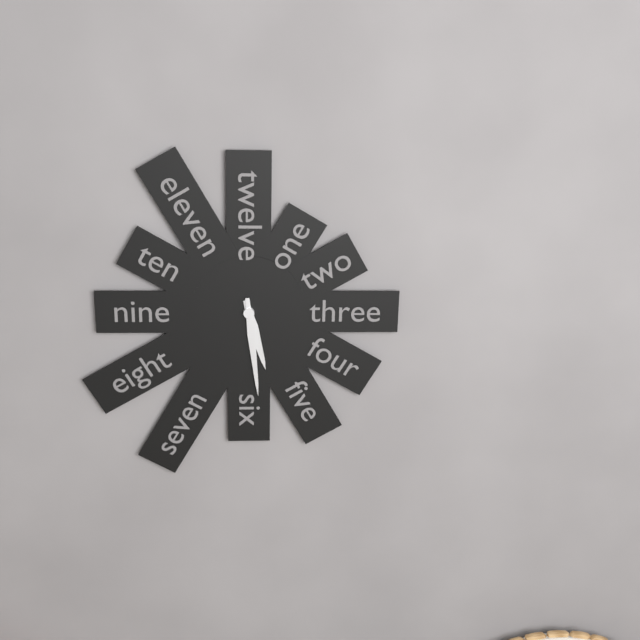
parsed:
5,29
